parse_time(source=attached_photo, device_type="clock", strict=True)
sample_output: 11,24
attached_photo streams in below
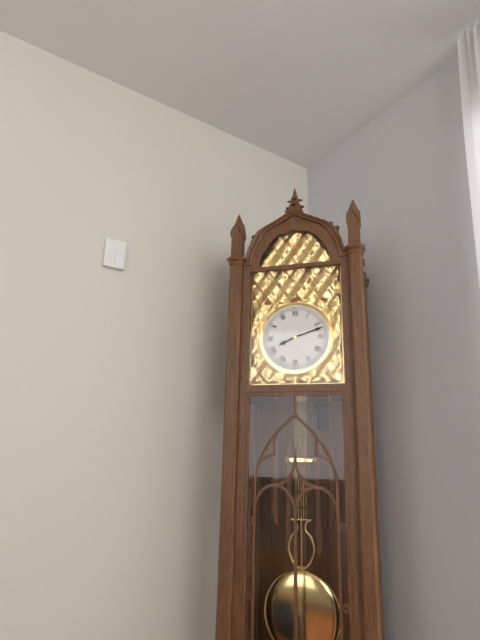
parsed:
8,12
